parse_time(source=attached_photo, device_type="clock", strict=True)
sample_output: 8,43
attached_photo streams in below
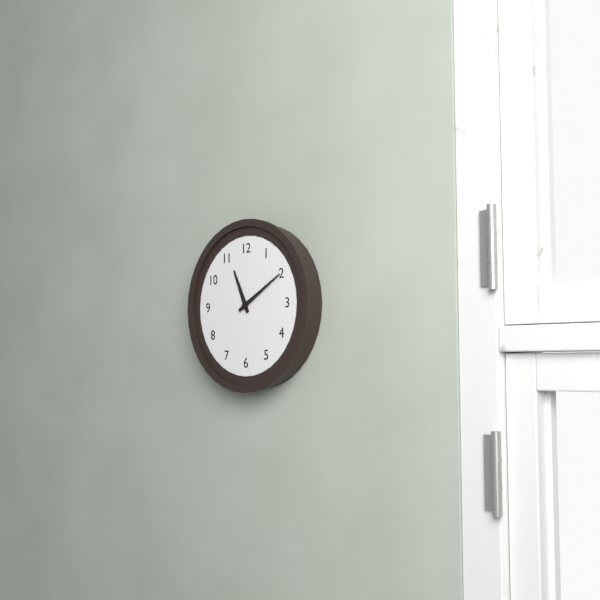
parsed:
11,10
